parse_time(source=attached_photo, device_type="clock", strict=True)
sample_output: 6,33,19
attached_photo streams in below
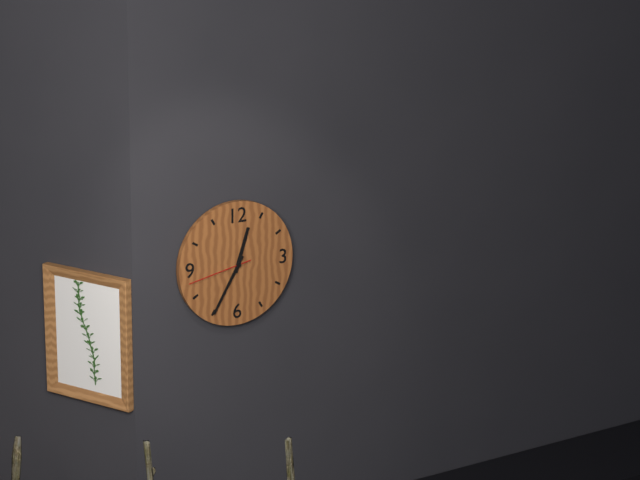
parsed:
12,35,43
